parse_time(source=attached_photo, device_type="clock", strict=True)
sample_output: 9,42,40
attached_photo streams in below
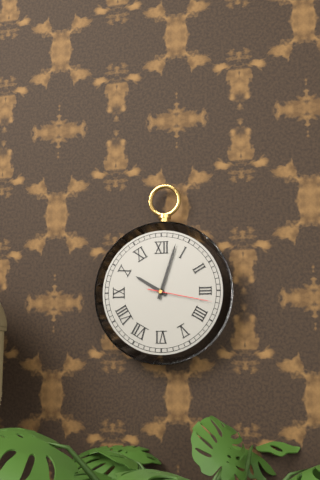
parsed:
10,03,17
